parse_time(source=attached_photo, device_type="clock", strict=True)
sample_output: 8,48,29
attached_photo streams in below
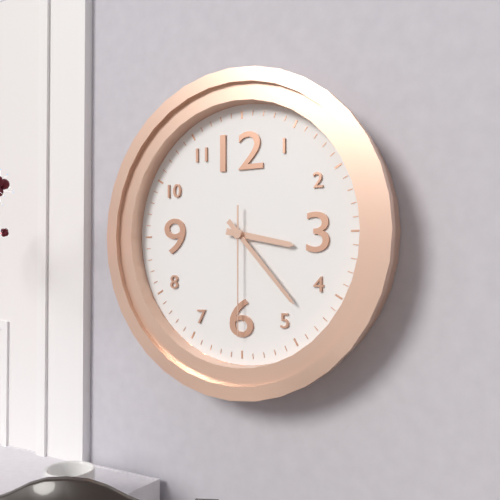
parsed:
3,23,30
